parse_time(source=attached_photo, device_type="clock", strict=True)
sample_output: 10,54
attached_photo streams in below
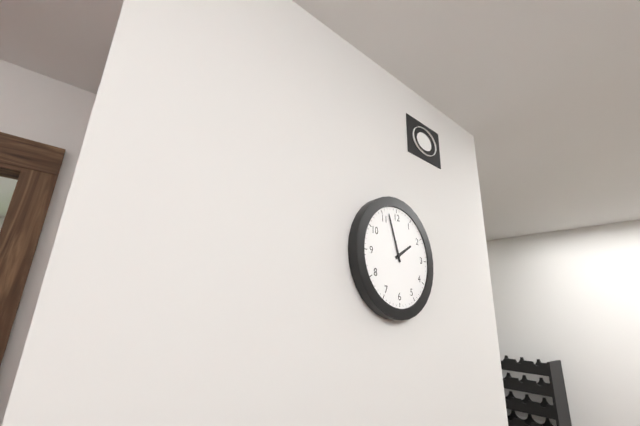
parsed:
1,57
